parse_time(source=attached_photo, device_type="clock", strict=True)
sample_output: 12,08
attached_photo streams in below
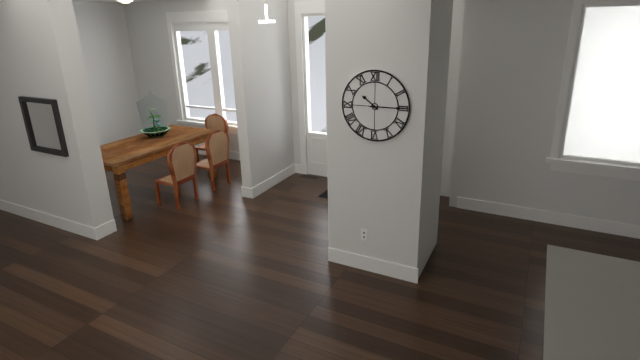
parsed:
10,15
